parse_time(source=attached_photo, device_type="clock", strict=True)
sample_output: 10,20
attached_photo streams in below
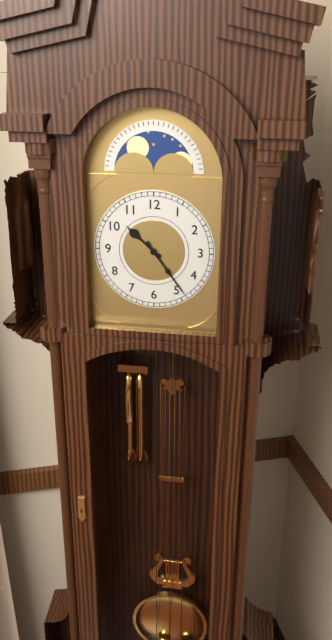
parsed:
10,24
